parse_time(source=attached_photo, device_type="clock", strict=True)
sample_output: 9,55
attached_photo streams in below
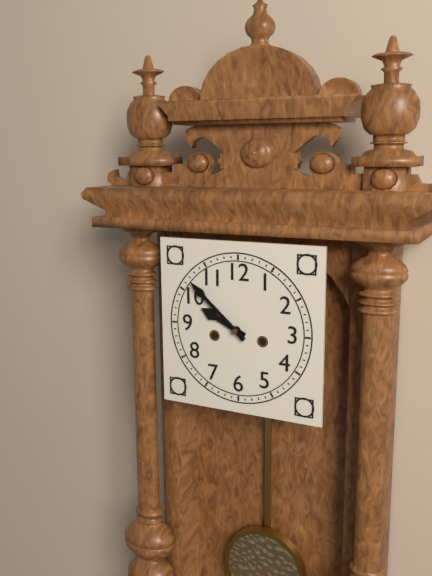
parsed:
9,52
